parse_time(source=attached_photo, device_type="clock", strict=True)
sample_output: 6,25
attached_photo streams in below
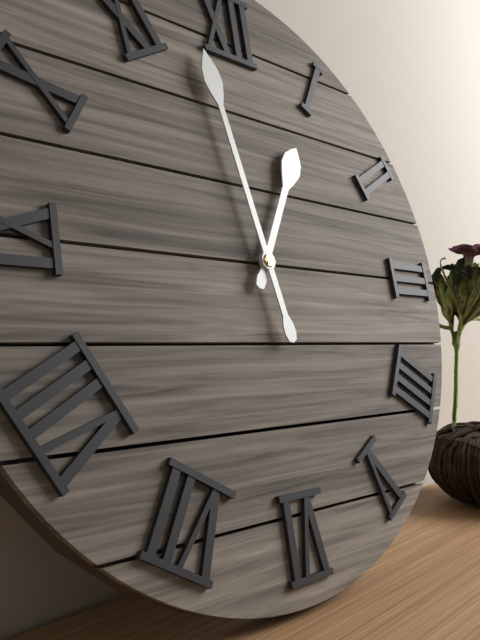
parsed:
12,58
